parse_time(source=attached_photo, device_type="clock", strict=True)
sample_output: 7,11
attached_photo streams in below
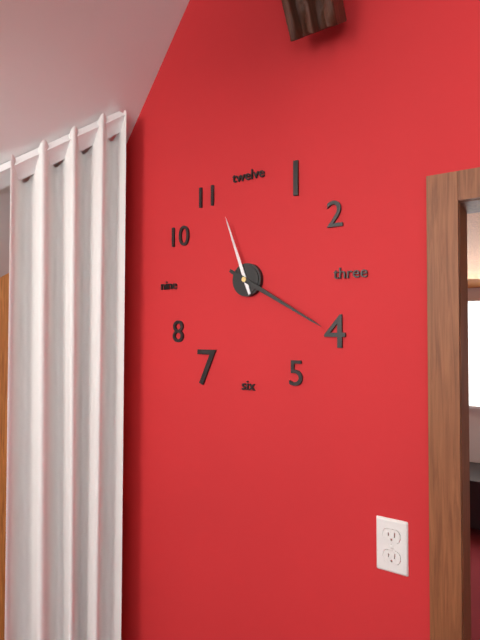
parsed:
11,20
